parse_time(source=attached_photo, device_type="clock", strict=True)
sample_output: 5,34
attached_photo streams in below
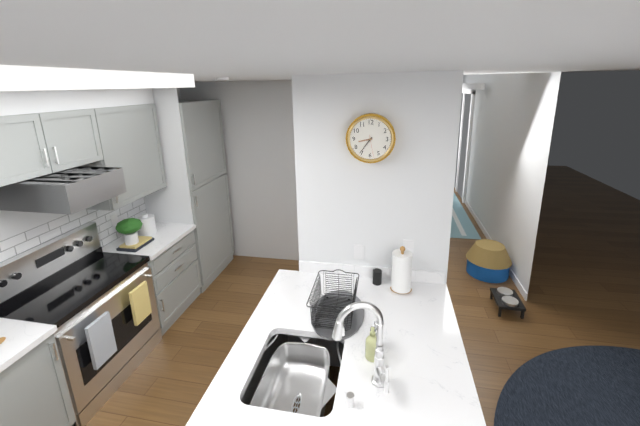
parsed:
8,36
